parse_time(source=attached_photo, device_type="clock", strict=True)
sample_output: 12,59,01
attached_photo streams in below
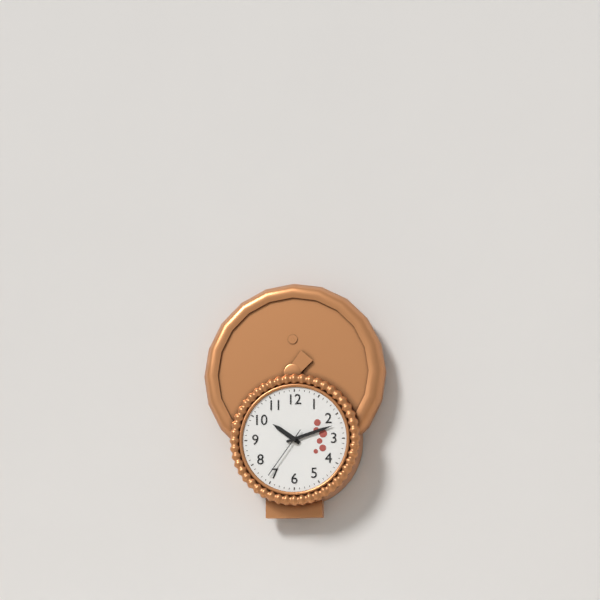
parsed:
10,12,36
